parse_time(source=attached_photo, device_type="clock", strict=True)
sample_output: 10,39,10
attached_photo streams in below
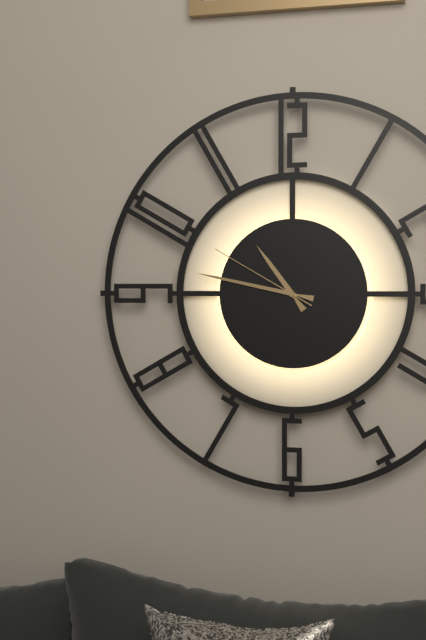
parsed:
10,47,50
